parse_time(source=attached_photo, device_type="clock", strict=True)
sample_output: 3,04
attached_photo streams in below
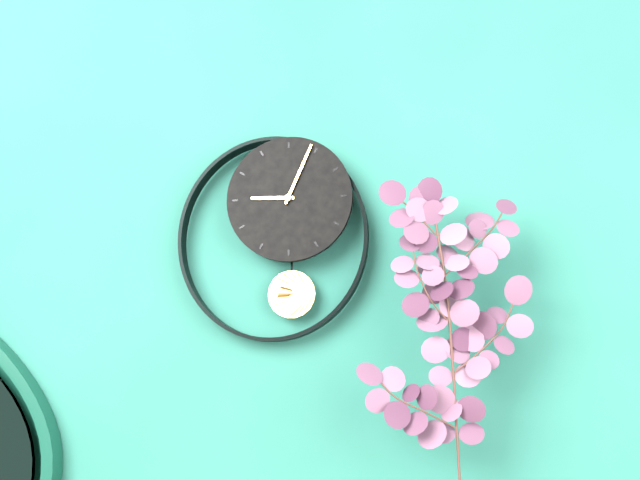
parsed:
9,04
